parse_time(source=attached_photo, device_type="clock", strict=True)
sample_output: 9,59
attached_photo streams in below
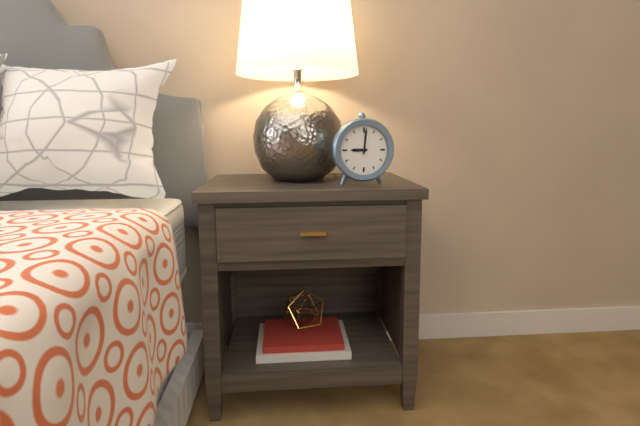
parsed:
9,01
